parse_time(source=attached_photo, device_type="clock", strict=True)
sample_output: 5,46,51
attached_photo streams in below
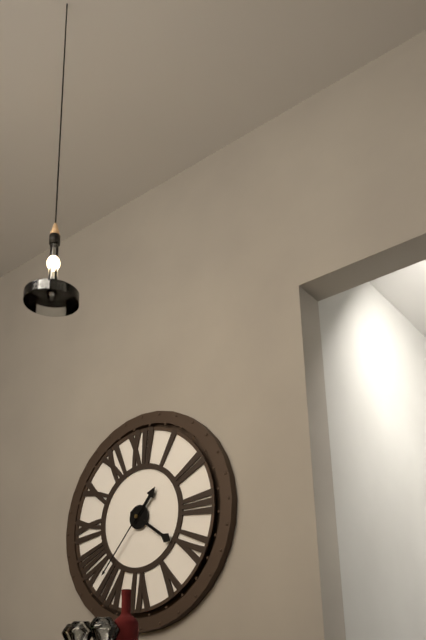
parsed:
1,21,37
